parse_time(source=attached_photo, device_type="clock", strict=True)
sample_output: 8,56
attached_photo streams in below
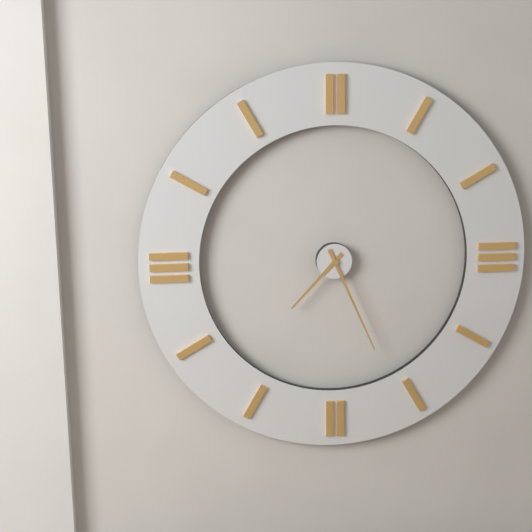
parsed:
7,26
